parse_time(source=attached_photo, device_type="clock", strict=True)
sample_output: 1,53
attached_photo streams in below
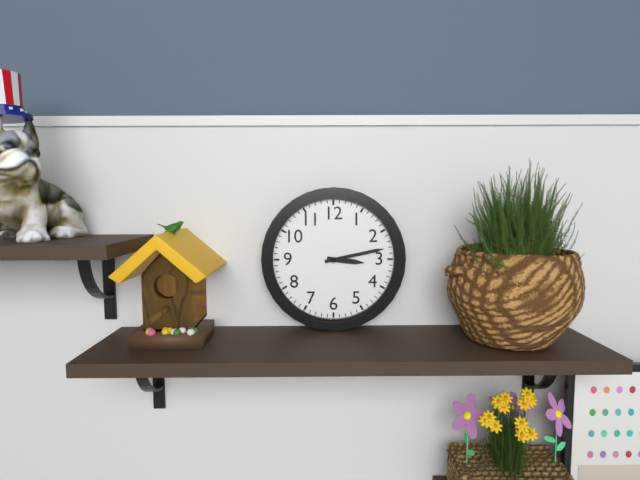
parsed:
3,13
